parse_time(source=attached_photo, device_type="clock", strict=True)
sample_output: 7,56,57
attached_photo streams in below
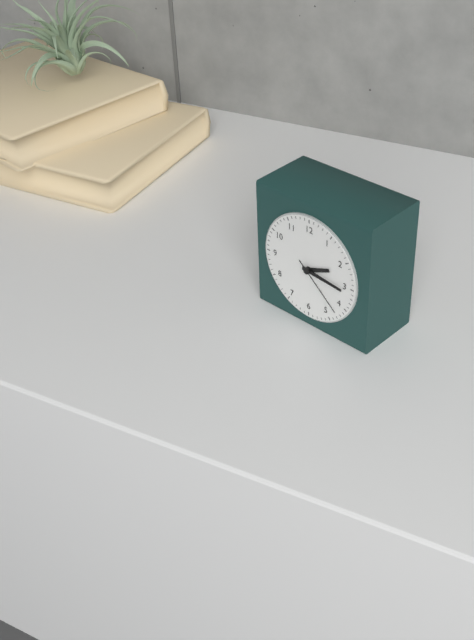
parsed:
2,16,22
